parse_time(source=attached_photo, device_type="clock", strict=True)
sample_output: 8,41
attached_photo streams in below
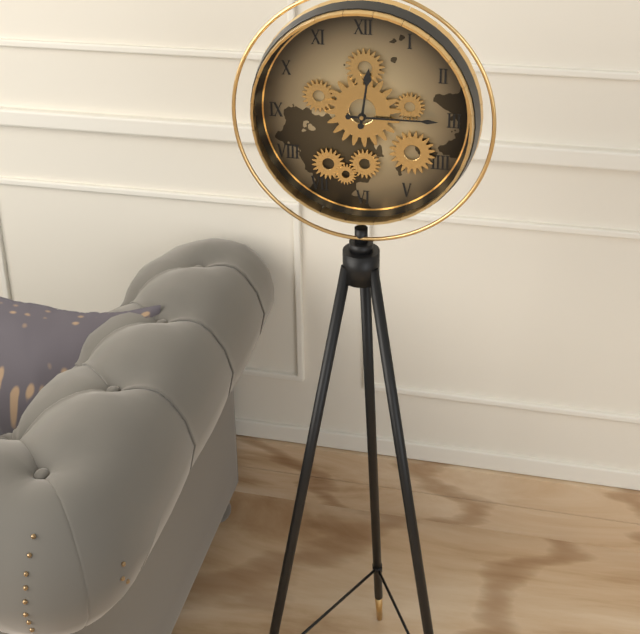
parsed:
12,15
